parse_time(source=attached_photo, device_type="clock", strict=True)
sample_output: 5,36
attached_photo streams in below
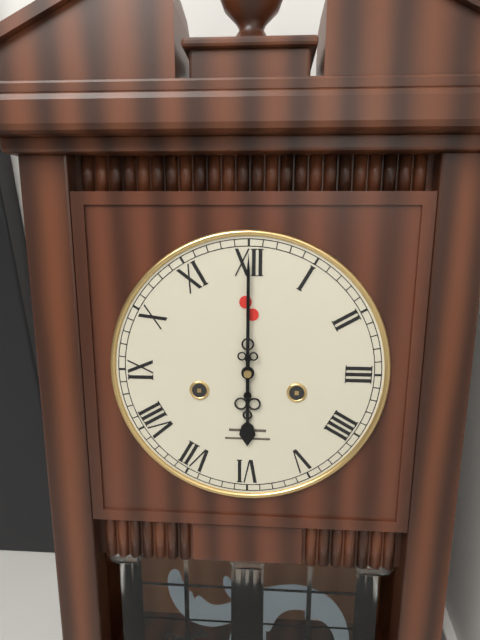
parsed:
6,00
